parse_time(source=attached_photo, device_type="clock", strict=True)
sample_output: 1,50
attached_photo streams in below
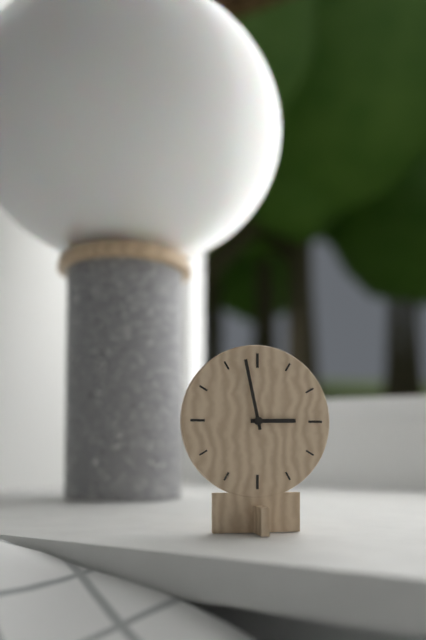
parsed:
2,58
